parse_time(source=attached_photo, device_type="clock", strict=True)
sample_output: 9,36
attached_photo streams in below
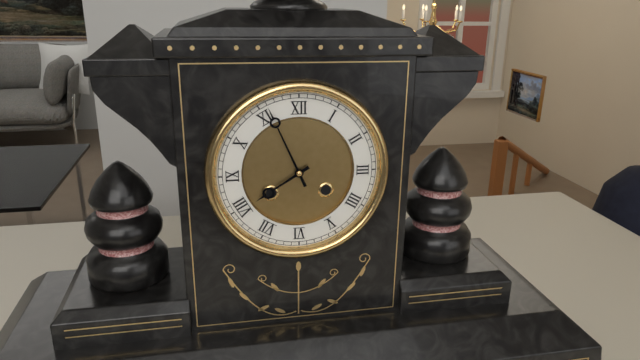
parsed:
7,56
